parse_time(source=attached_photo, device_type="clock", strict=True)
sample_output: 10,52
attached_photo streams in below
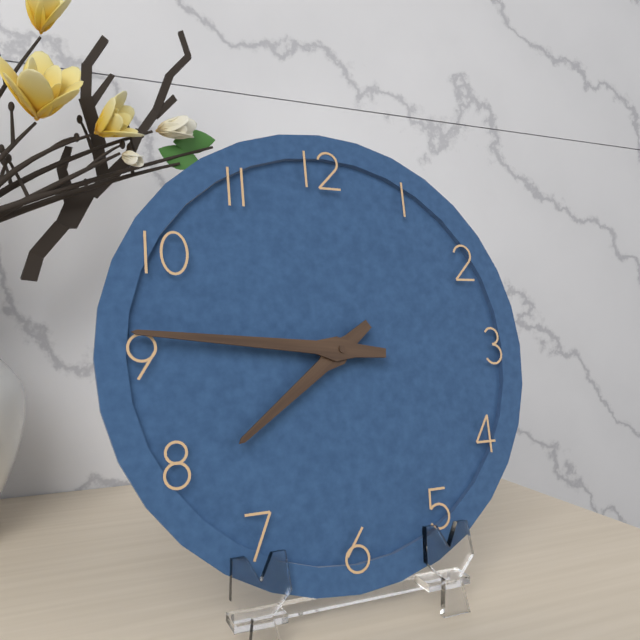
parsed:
7,46
